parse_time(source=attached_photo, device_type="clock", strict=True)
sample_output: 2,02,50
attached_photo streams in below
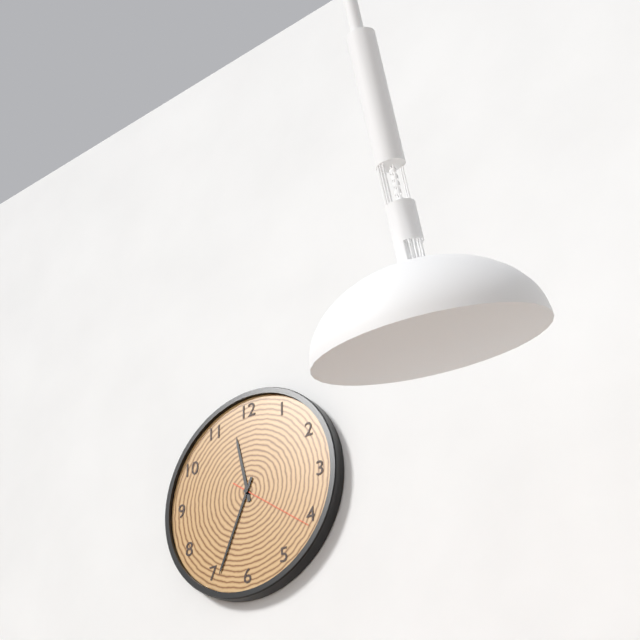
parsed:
11,34,21
